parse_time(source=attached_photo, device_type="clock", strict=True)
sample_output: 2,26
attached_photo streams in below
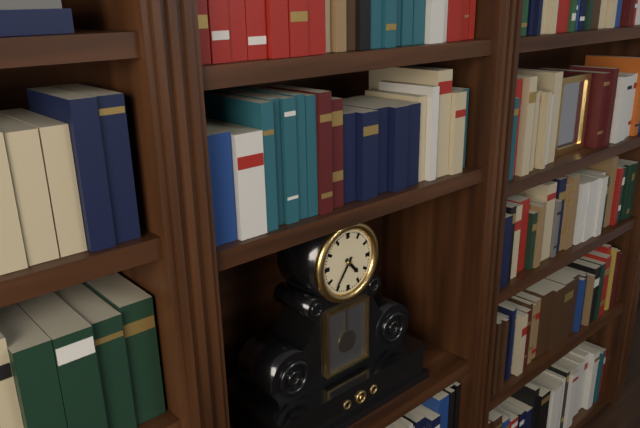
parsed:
4,36
